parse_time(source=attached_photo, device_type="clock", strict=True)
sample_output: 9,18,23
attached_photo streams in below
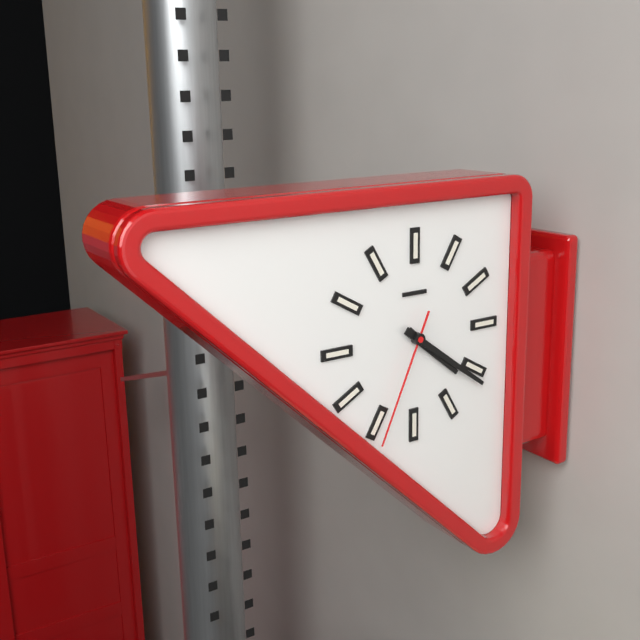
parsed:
4,21,34
